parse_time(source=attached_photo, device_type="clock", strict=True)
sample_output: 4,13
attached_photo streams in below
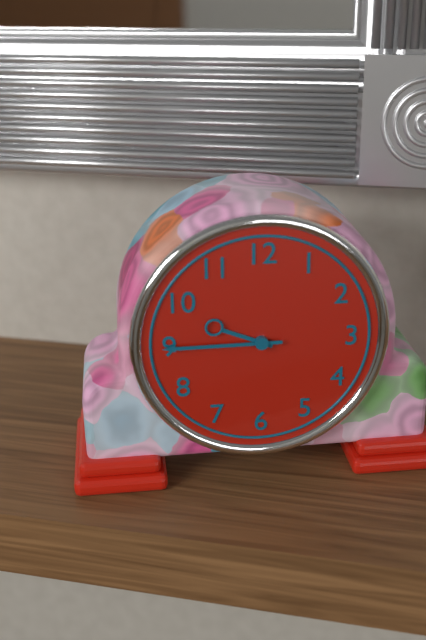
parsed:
9,45
